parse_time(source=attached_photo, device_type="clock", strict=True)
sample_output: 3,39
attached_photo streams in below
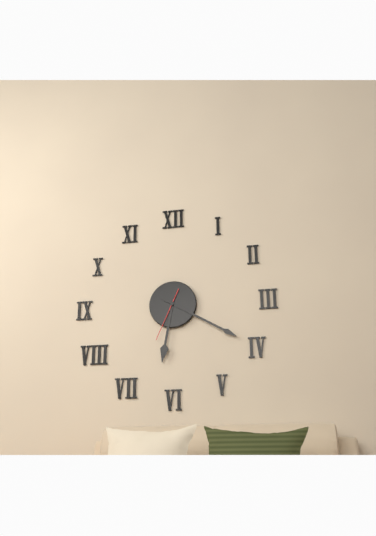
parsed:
6,20
